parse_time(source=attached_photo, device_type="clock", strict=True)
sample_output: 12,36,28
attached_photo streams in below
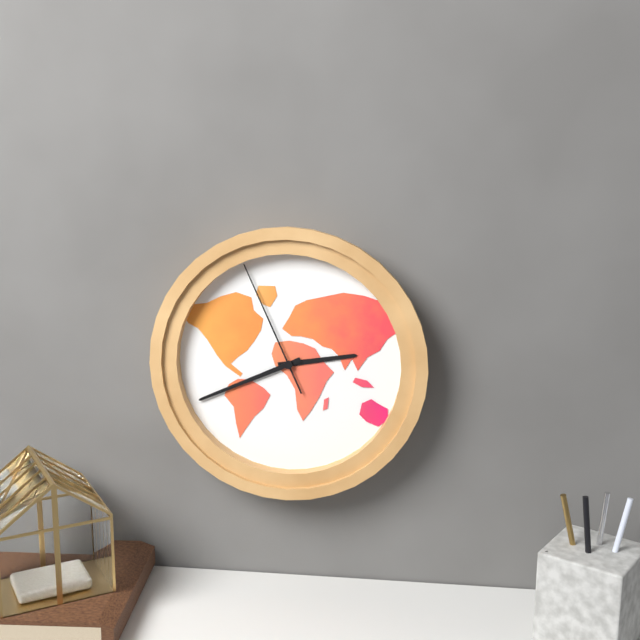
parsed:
2,41,56
